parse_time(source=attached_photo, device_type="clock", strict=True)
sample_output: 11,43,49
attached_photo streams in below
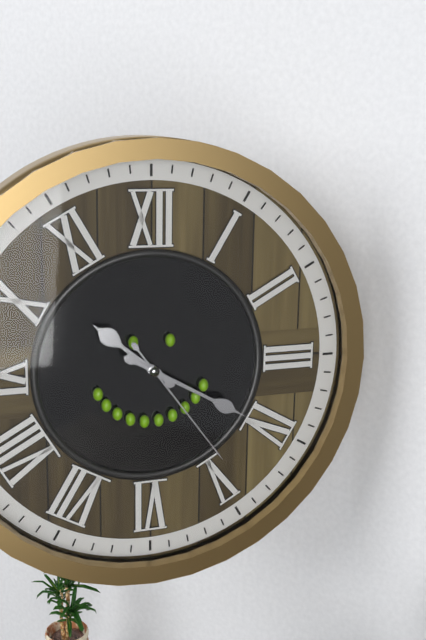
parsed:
10,20,24
